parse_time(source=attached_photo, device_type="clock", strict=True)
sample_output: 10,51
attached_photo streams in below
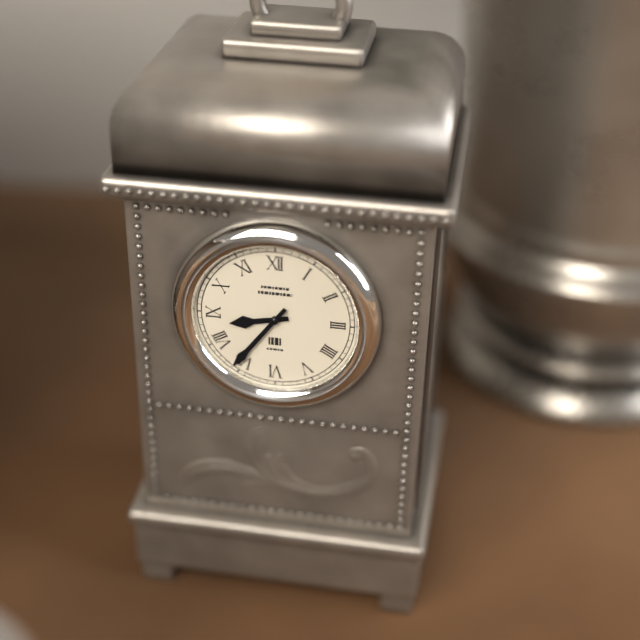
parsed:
8,36
